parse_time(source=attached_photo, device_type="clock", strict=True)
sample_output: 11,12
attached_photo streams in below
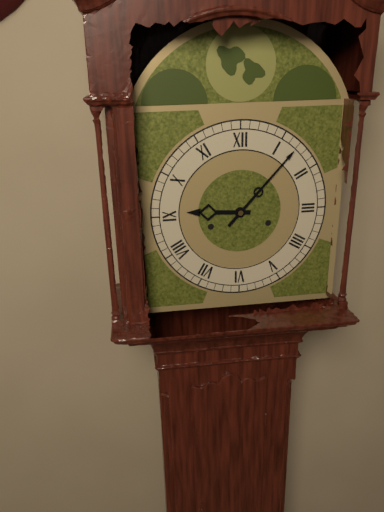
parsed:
9,07
